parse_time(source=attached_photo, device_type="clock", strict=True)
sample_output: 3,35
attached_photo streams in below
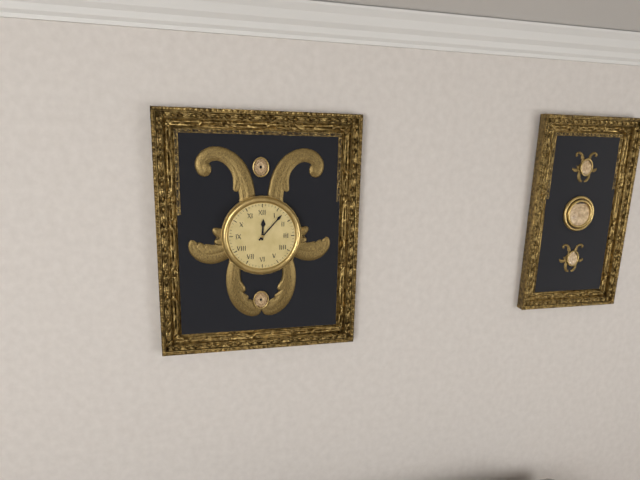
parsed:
12,07
